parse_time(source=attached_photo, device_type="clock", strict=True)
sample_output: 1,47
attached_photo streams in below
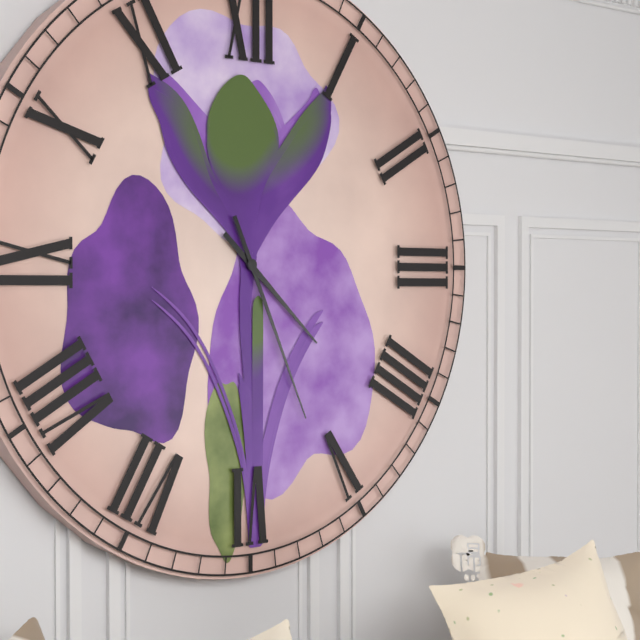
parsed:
4,26
